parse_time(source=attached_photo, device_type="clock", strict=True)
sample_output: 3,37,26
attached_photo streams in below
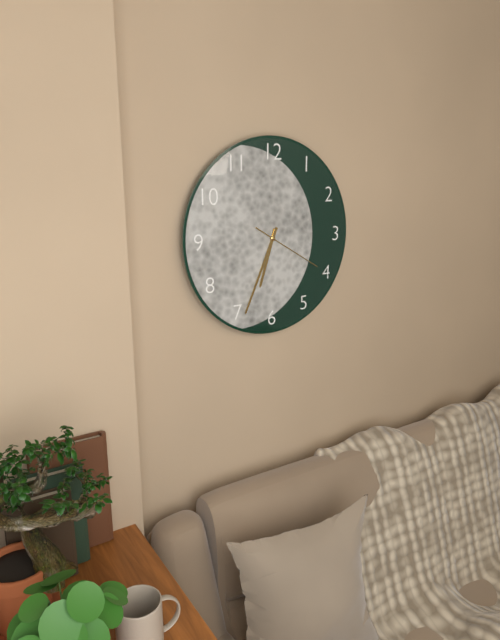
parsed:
6,34,20
